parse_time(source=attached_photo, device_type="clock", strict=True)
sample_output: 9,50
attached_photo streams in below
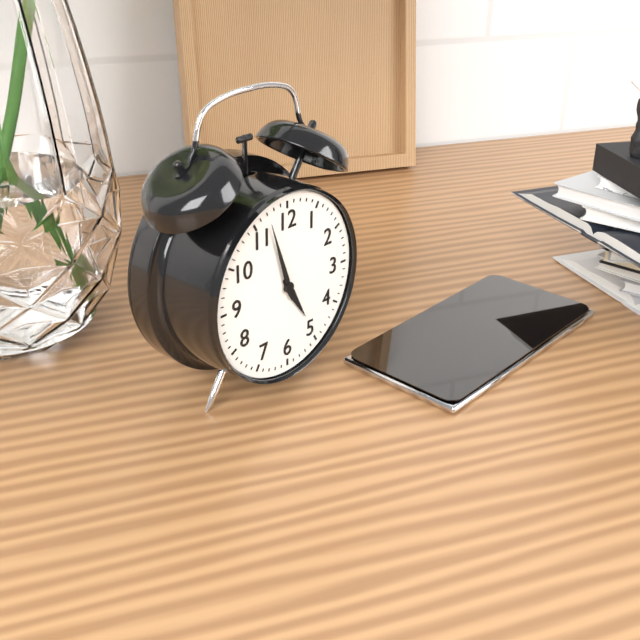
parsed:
4,57
